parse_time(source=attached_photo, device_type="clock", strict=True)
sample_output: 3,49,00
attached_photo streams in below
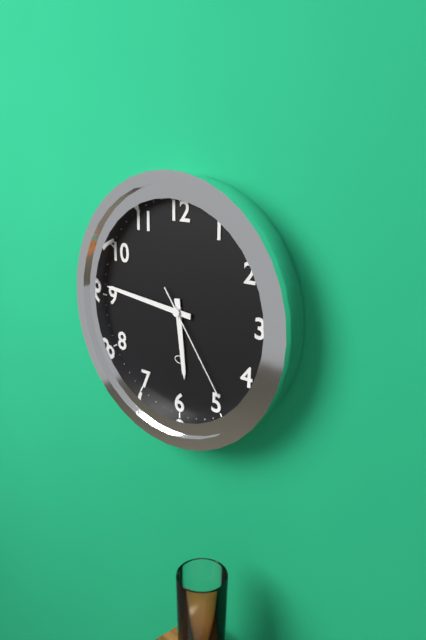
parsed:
5,46,24
